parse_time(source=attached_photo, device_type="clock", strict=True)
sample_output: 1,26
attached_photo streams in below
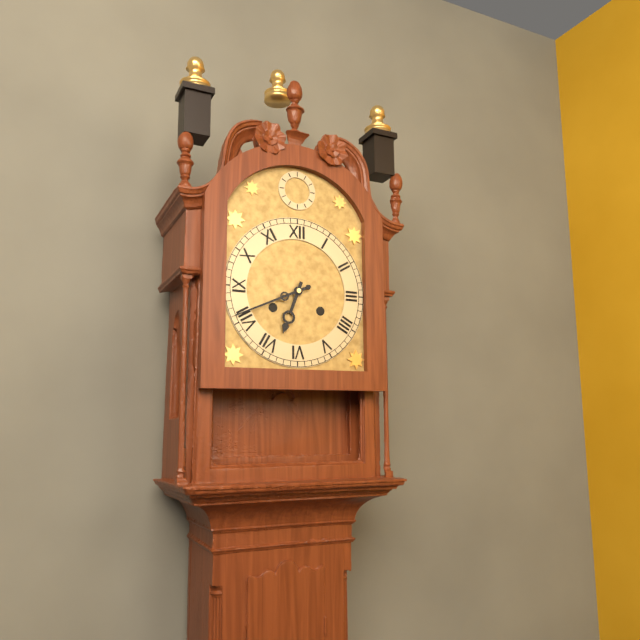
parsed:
6,41
